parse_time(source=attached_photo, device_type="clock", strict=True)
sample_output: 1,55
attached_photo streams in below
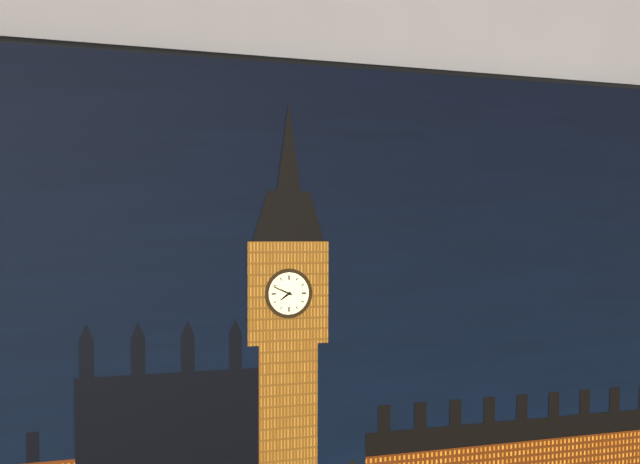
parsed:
7,49
